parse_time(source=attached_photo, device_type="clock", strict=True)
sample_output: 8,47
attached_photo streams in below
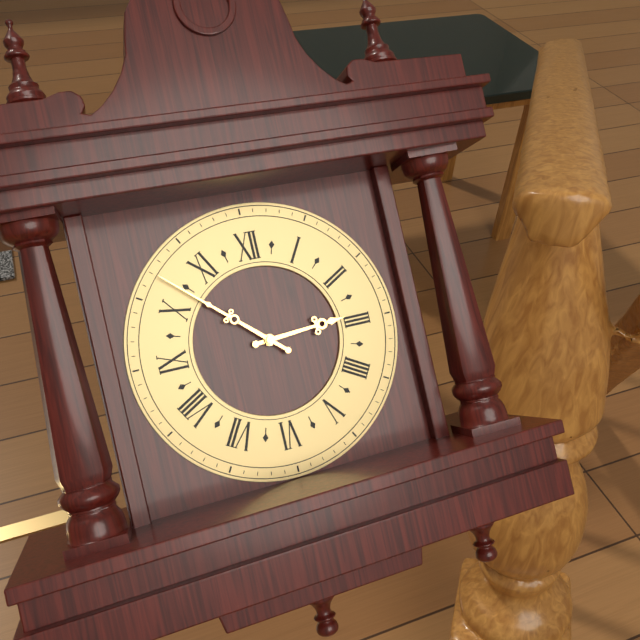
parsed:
2,52
